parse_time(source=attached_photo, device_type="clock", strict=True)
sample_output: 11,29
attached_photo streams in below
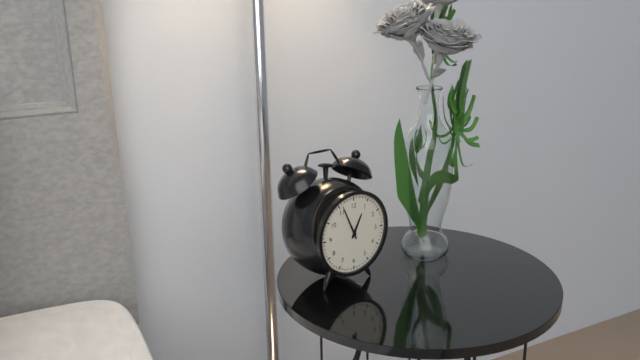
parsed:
12,56
